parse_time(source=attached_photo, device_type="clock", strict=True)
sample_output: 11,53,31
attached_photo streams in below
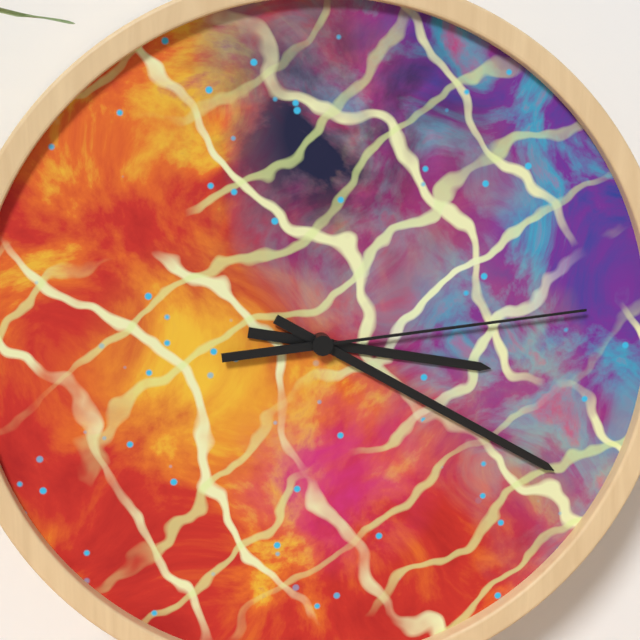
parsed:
3,20,14
